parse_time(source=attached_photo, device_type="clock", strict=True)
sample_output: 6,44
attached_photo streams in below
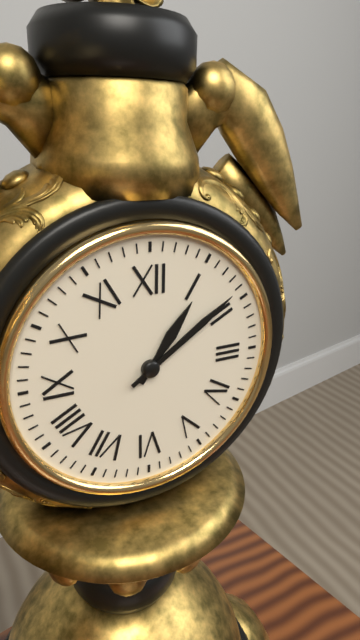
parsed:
1,09
